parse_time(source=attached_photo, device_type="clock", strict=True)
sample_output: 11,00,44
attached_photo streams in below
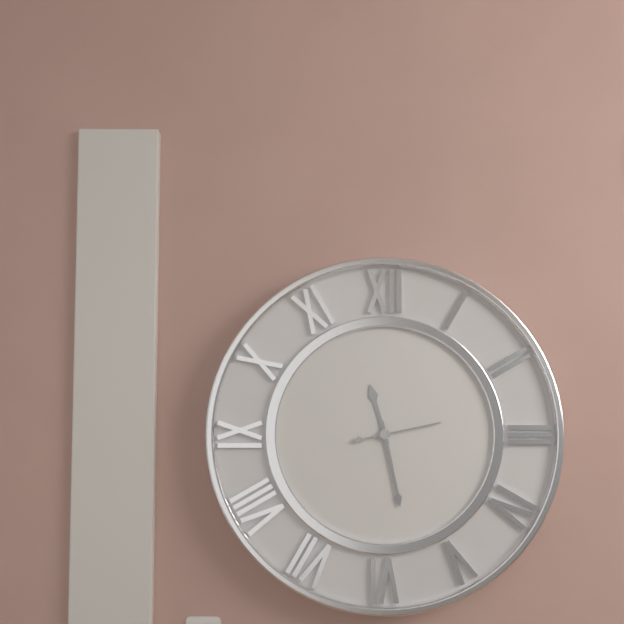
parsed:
11,28,13
